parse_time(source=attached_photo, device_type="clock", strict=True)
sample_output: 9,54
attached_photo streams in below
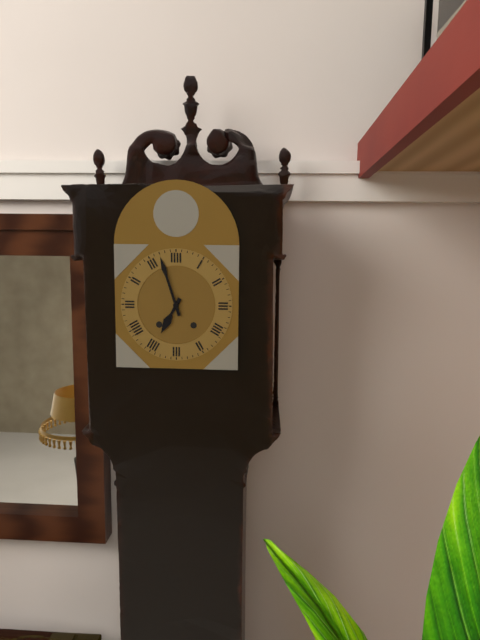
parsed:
6,57
